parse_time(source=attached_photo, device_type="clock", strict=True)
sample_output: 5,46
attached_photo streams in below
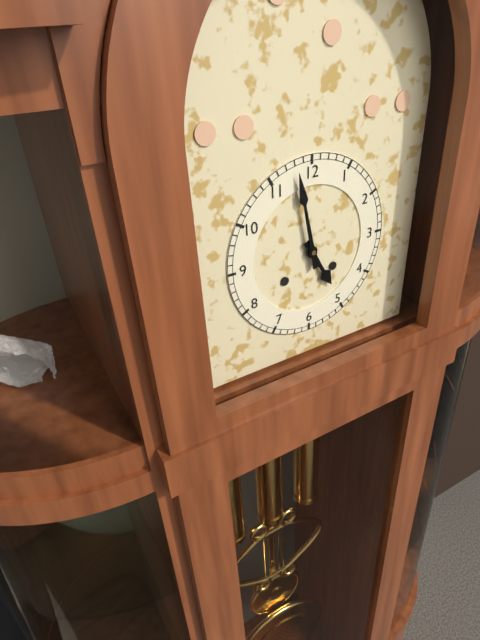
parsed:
4,58
